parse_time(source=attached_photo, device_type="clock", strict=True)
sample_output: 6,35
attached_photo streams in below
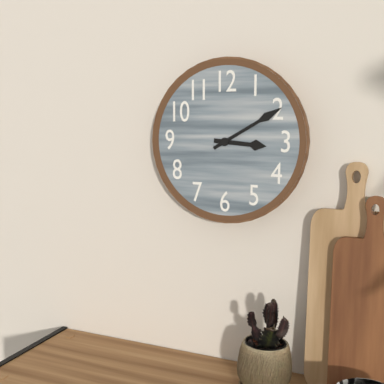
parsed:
3,10
